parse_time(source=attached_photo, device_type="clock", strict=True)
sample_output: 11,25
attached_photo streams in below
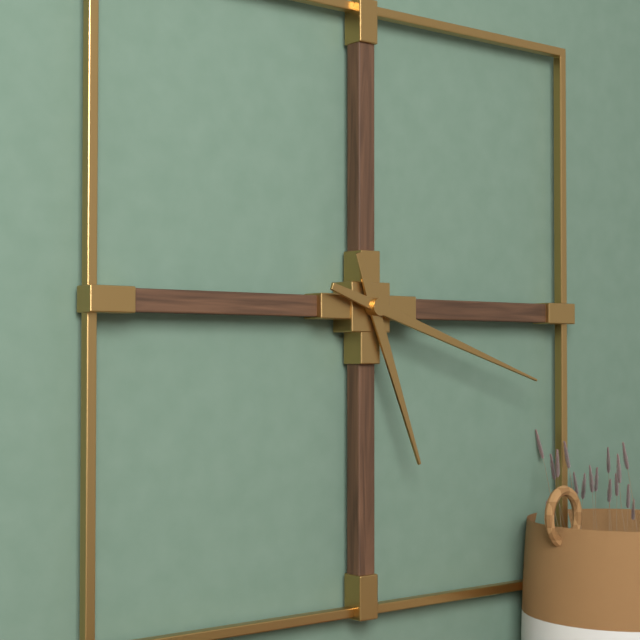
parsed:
5,18
